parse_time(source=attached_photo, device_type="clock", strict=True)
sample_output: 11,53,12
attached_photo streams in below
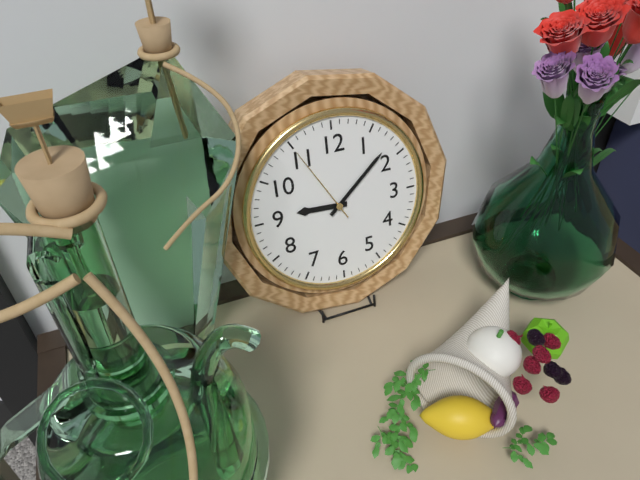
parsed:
9,08,55
